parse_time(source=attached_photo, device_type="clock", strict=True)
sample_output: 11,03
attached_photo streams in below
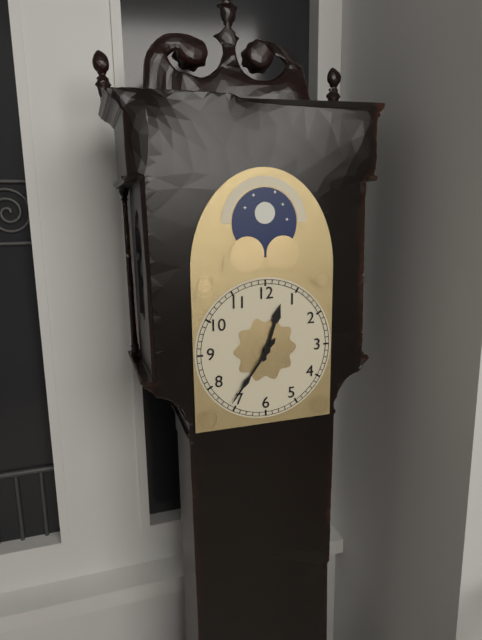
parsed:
12,36
